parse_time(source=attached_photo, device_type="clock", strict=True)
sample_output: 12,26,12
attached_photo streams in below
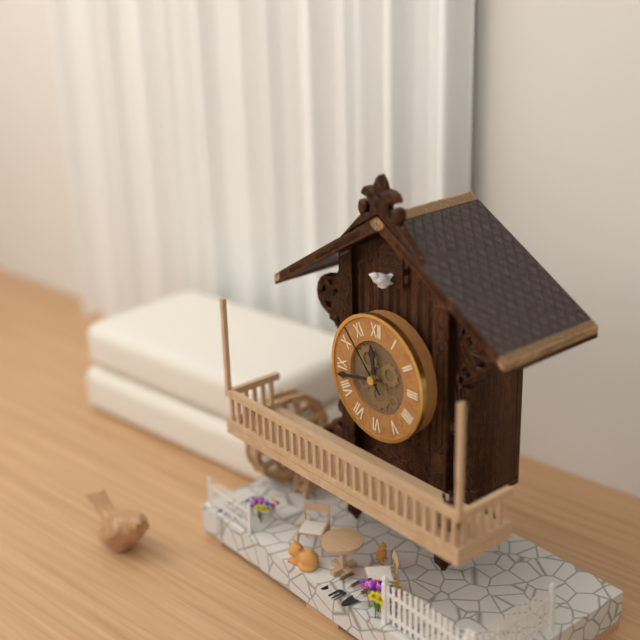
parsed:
11,43,53
